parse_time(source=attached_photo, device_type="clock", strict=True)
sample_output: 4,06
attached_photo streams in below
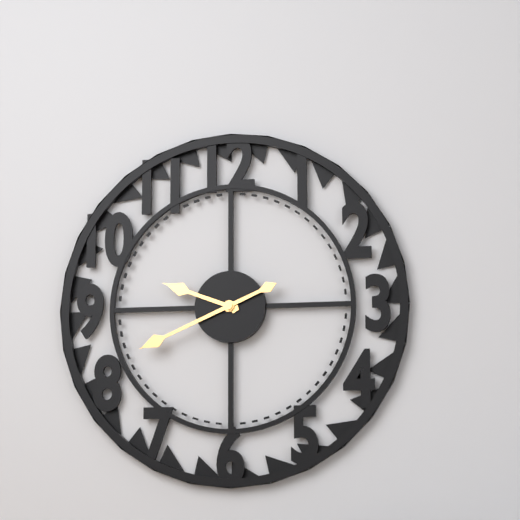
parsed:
9,41
